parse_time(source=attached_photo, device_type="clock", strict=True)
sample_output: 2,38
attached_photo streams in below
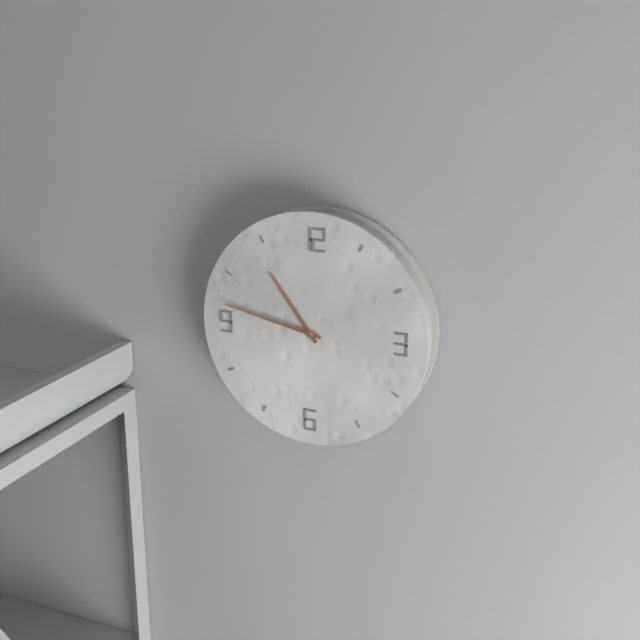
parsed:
10,47
